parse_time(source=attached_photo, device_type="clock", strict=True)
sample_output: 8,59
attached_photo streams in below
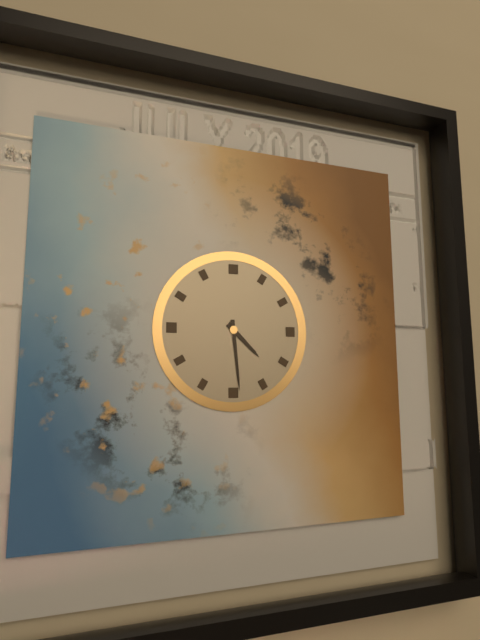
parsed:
4,29
